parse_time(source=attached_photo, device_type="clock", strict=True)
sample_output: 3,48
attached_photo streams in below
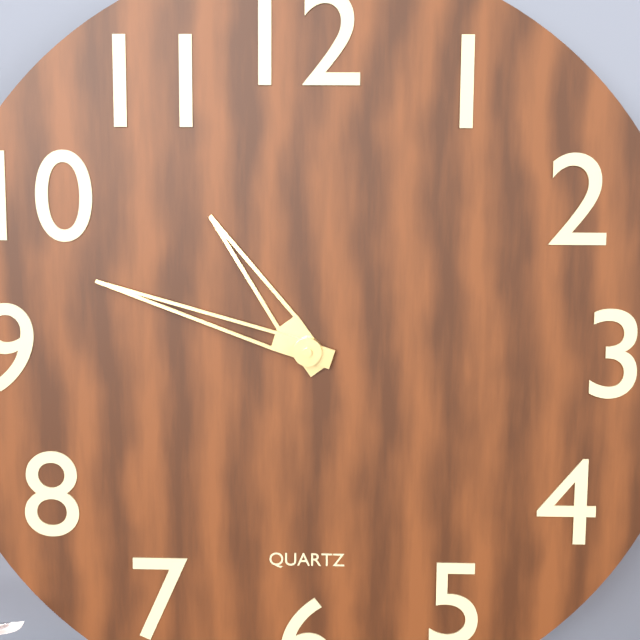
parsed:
10,48
